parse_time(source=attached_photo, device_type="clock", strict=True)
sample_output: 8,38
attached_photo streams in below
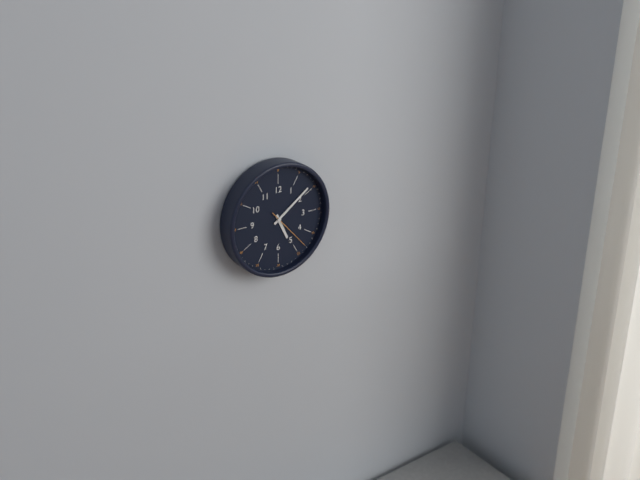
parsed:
5,09
